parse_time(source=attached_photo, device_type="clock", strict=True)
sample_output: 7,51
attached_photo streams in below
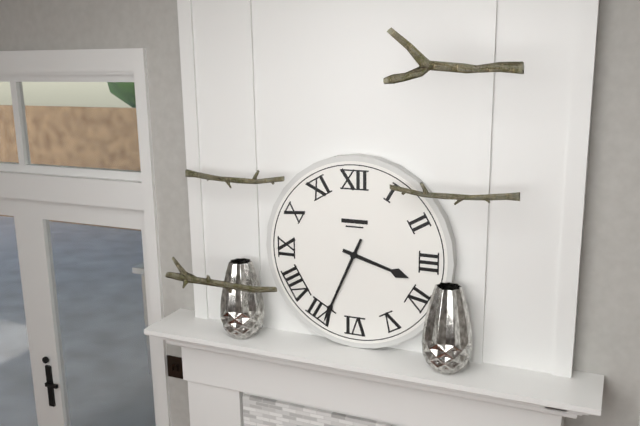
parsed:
3,34
